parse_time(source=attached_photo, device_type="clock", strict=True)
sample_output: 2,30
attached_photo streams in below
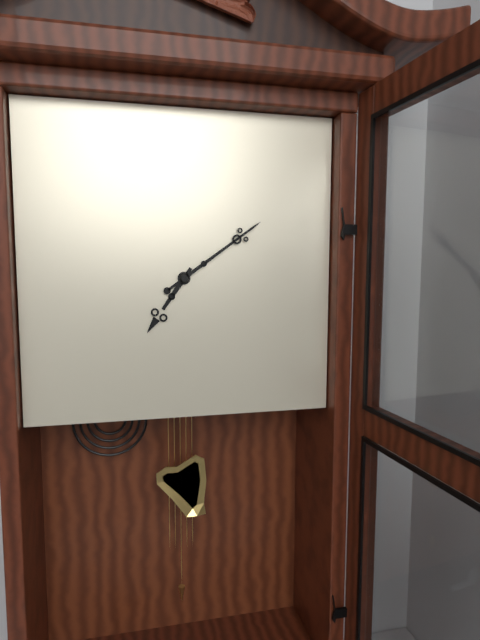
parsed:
7,09
